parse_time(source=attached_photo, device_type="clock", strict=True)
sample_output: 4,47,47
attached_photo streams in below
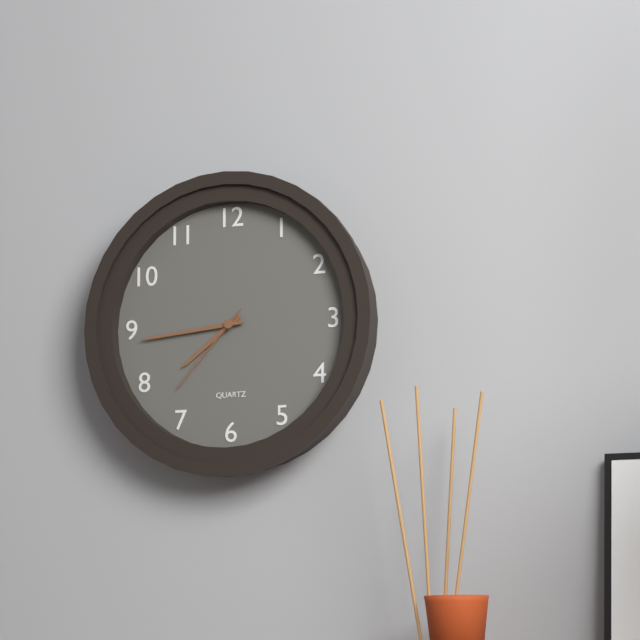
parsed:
7,44,37
